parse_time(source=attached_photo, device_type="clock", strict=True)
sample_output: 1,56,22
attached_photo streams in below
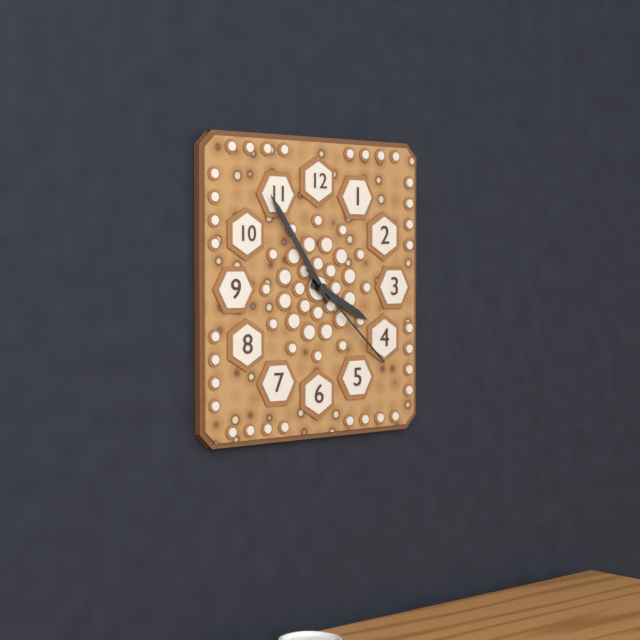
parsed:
3,54,22
